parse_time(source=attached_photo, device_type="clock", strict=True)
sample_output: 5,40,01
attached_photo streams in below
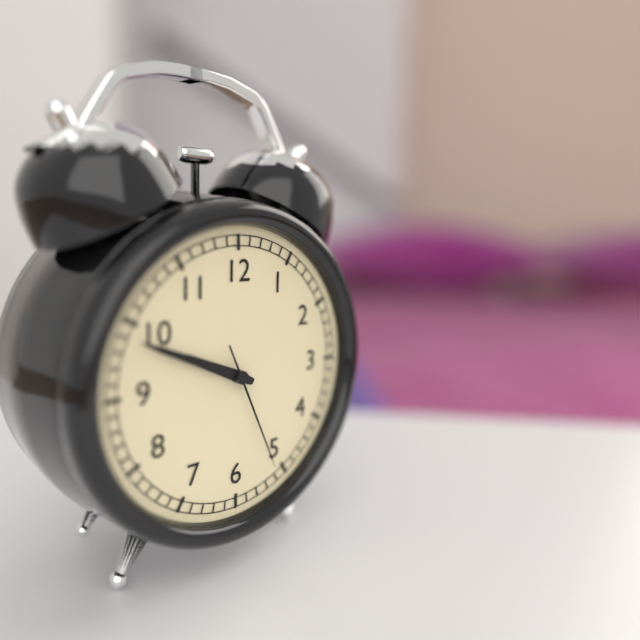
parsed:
9,49,26
